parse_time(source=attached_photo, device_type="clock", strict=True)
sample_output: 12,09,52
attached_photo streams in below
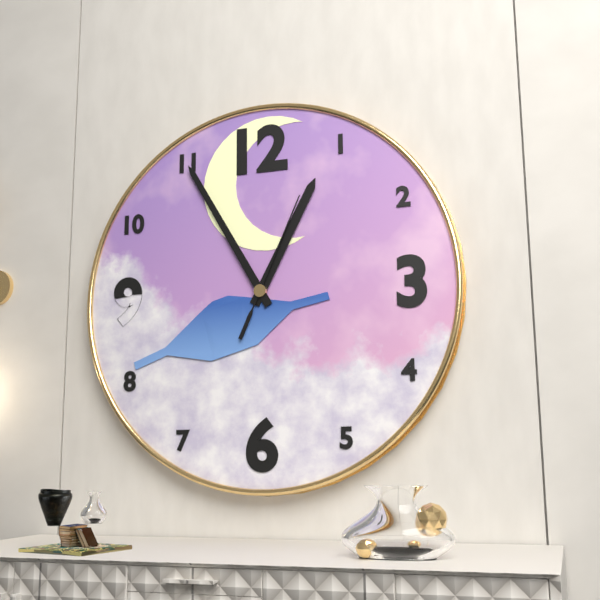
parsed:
12,55,04
